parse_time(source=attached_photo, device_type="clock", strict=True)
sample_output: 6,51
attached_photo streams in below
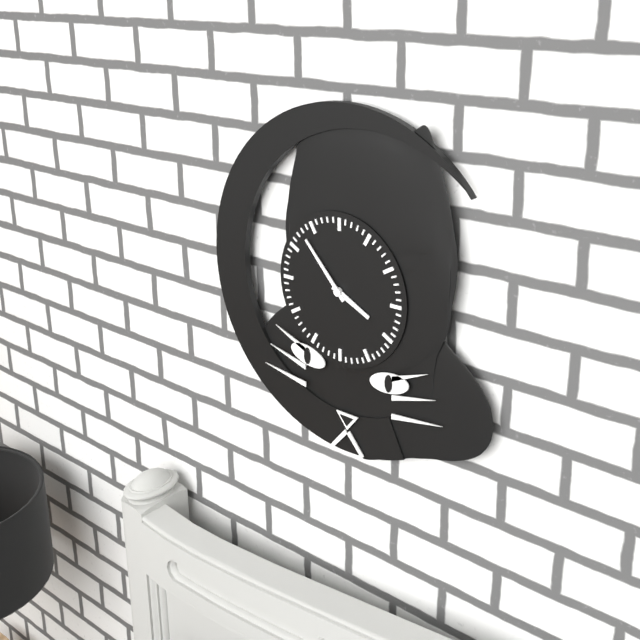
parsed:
3,53
